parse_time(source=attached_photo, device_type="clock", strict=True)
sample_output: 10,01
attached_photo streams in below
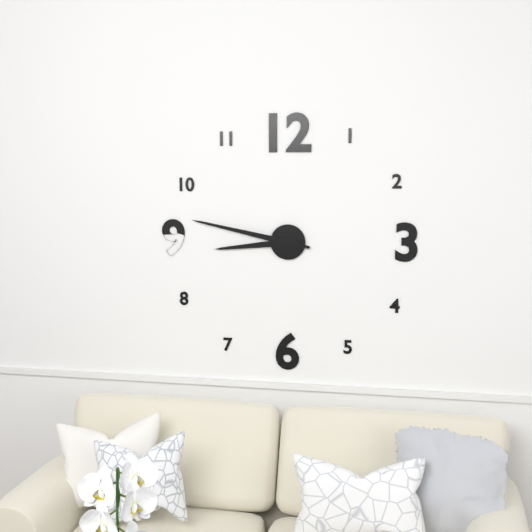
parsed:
8,47
